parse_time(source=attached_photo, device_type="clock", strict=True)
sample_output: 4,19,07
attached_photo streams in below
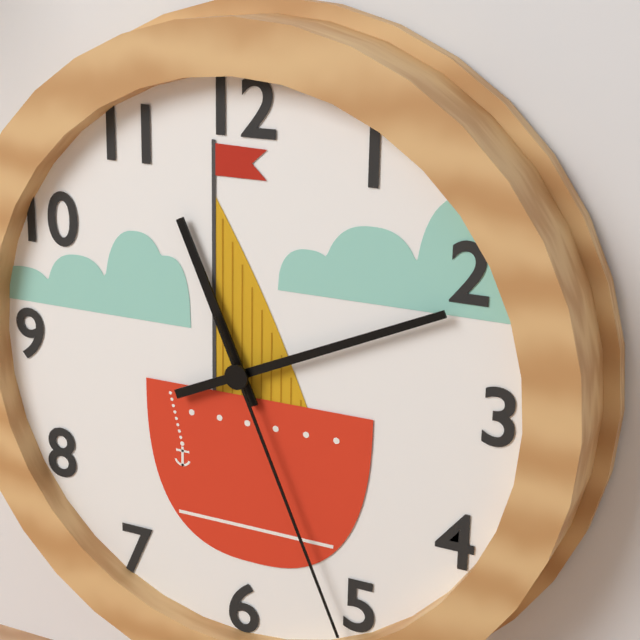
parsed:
11,11,26
